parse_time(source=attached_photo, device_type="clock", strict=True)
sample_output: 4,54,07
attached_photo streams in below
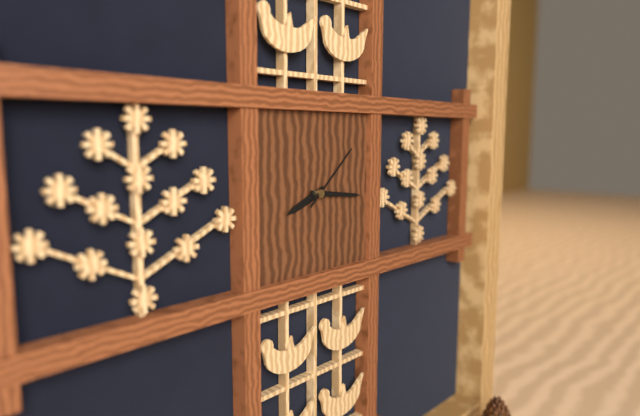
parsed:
8,16,08
